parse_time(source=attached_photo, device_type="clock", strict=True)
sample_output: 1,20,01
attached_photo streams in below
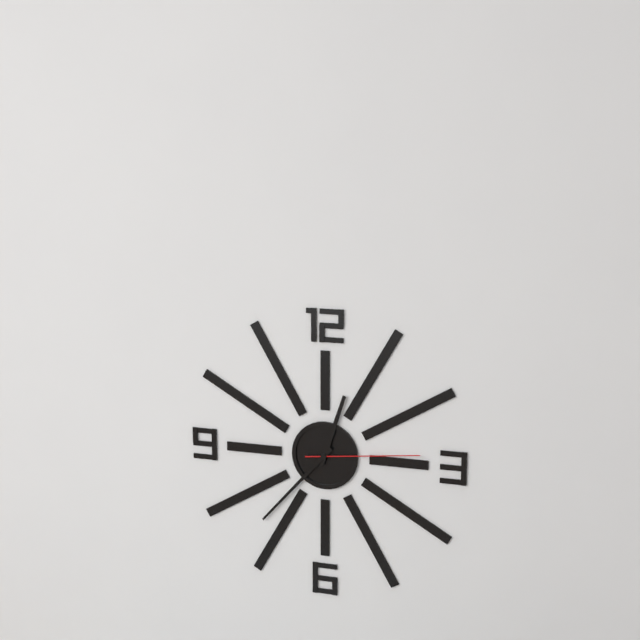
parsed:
12,37,14
